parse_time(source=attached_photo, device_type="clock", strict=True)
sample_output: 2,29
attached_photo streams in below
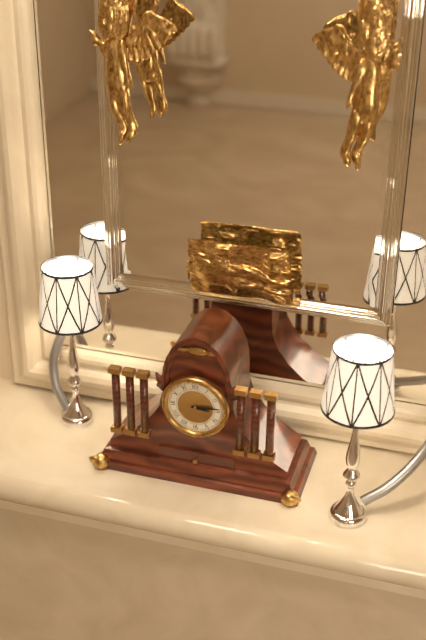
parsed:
3,14
